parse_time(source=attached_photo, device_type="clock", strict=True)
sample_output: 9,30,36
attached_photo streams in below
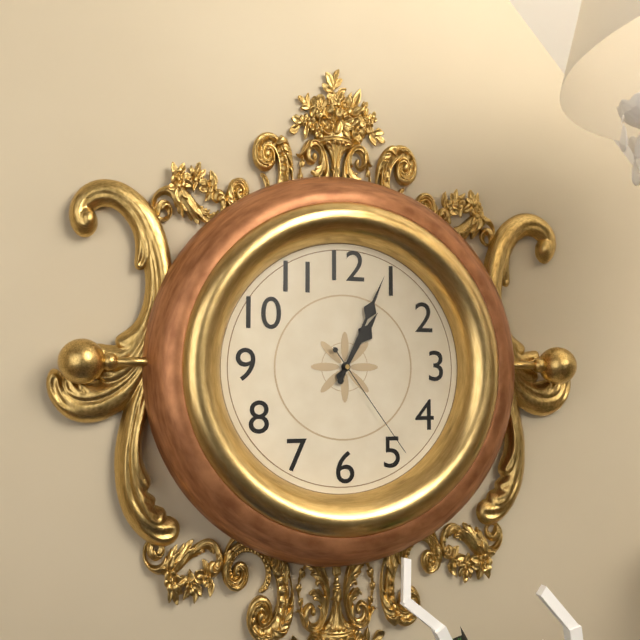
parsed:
1,04,24
